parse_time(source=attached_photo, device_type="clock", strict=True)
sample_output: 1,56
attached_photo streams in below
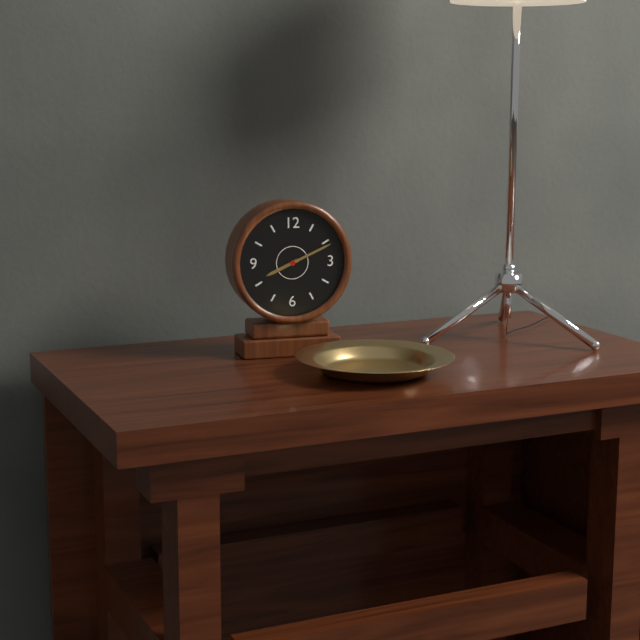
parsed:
8,11
